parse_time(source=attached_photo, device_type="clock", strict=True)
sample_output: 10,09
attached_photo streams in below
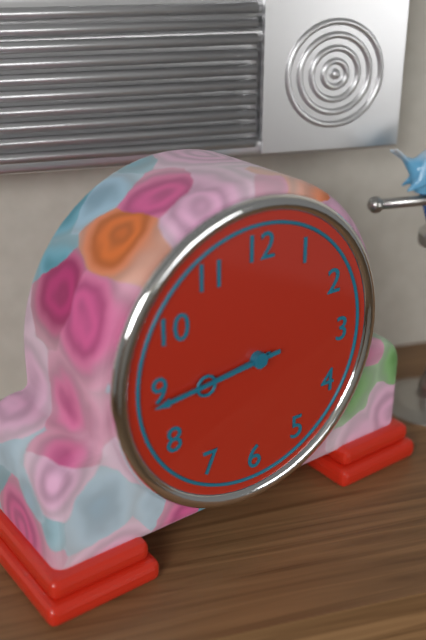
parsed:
8,44
